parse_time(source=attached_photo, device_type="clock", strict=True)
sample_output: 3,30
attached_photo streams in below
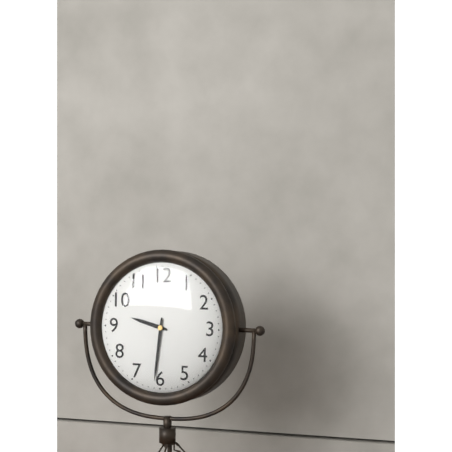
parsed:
9,31
